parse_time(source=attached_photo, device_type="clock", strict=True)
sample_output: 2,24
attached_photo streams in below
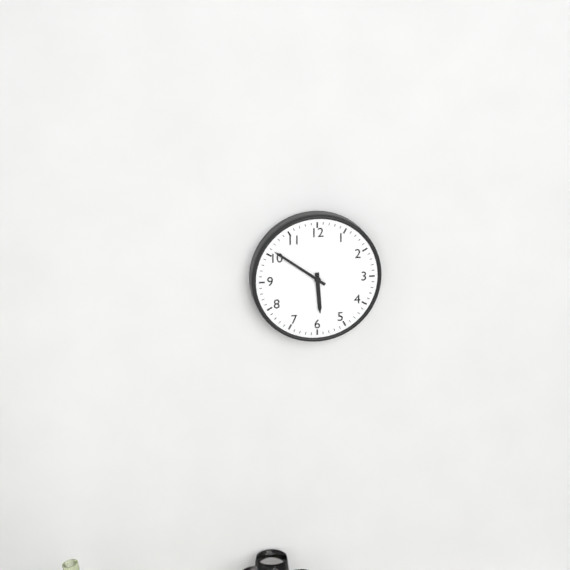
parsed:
5,51
